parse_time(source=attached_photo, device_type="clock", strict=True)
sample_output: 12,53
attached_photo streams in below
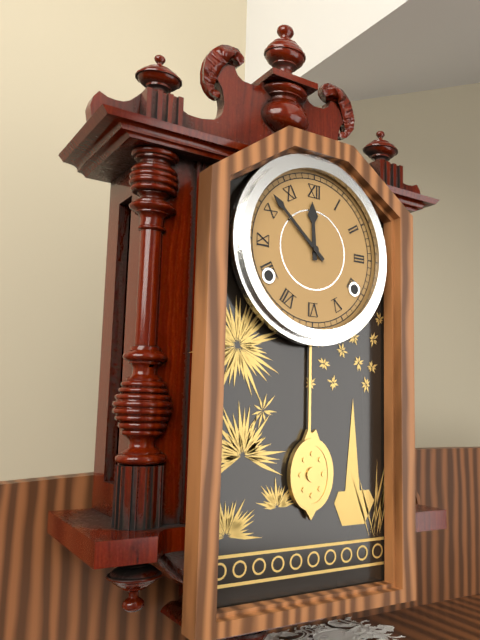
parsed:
11,52
